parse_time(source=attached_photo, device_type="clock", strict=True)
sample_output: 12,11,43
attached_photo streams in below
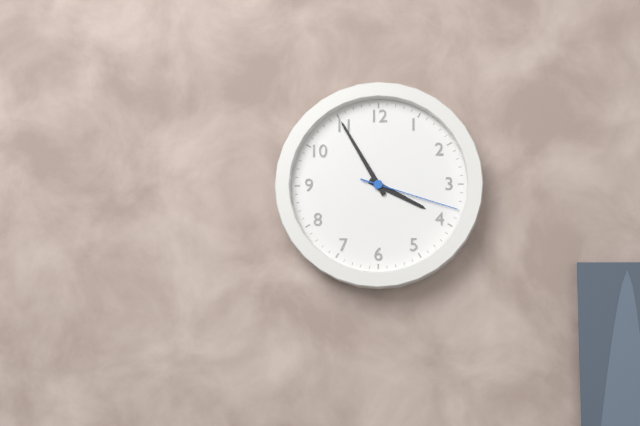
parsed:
3,55,18
